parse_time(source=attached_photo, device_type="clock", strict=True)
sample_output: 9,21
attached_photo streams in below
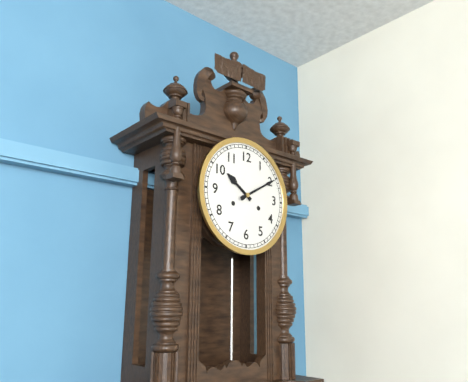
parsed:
10,10
